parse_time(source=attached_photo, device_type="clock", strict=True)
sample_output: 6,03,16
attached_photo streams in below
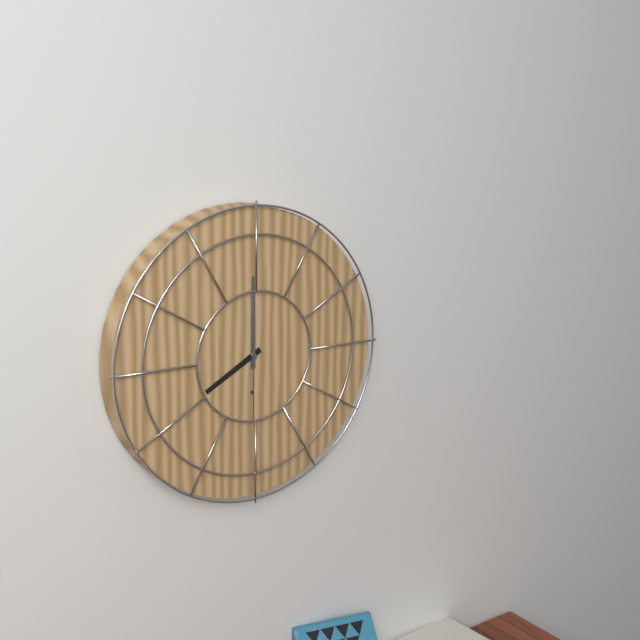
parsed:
8,00,30
